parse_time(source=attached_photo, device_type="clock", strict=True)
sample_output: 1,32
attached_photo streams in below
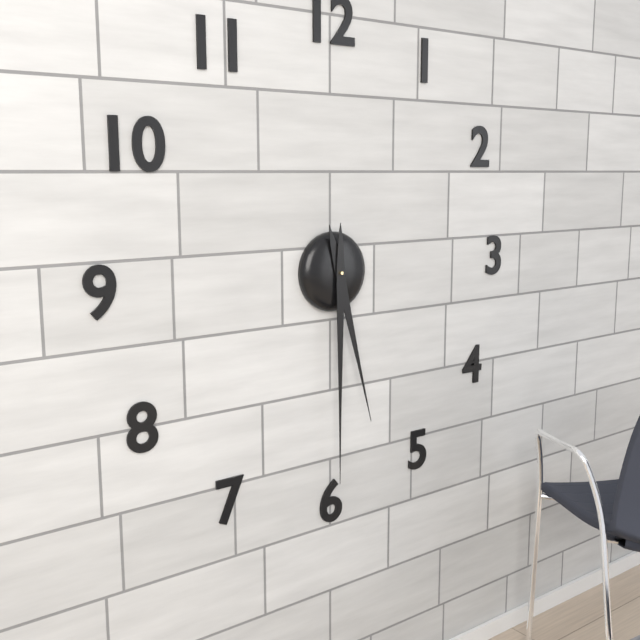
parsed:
5,30
